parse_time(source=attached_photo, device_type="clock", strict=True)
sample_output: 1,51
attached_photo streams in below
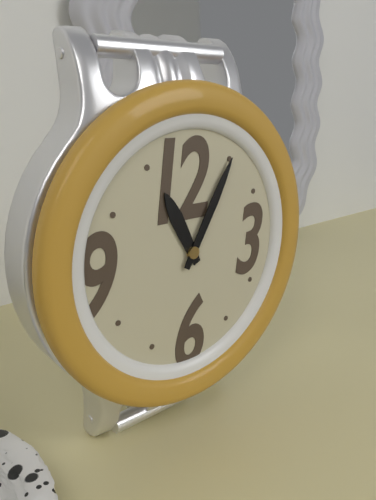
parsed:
11,05
